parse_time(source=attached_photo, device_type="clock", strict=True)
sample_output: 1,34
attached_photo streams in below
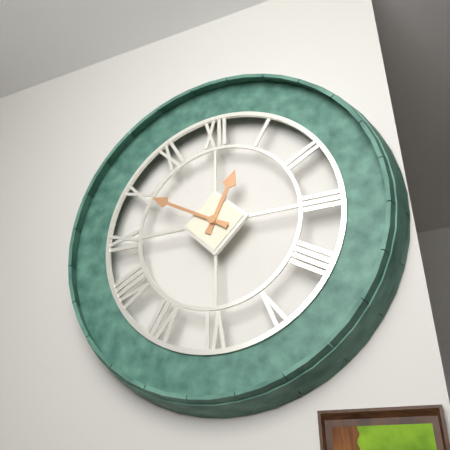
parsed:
12,50
